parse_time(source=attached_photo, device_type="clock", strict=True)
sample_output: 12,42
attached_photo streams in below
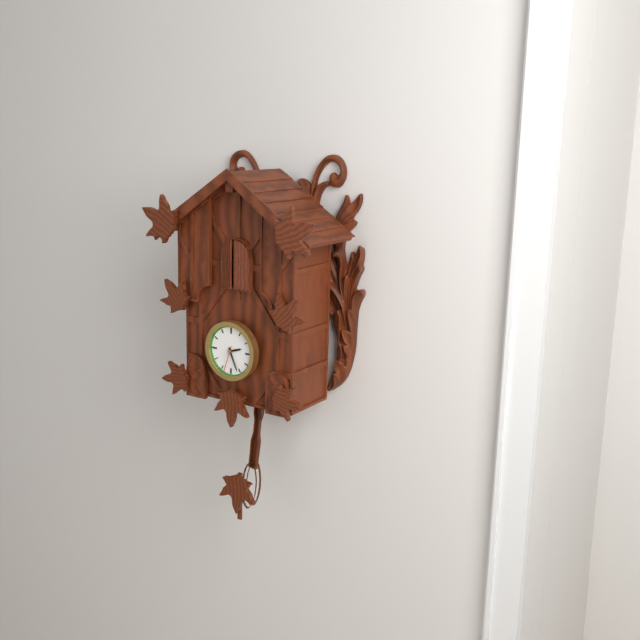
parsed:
2,26
